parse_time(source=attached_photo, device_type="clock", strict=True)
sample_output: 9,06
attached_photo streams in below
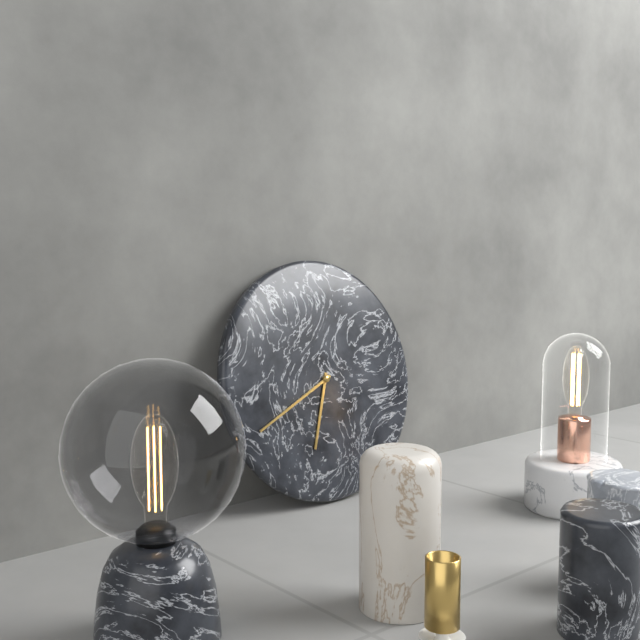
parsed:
6,41
